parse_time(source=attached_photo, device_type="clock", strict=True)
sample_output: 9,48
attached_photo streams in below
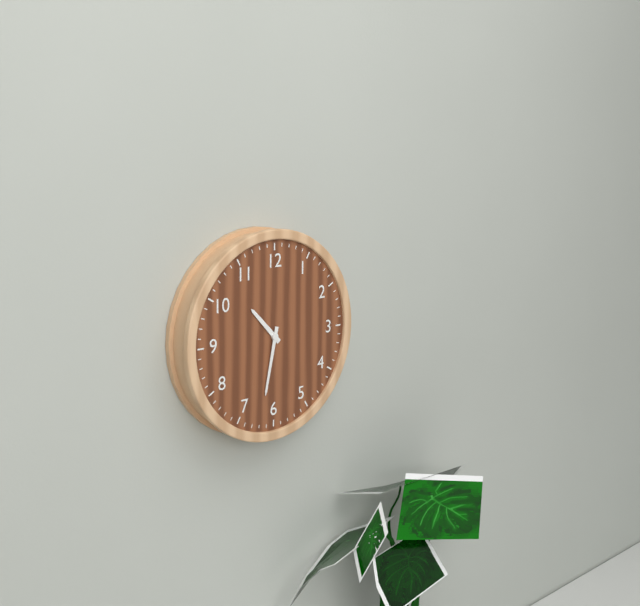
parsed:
10,32
